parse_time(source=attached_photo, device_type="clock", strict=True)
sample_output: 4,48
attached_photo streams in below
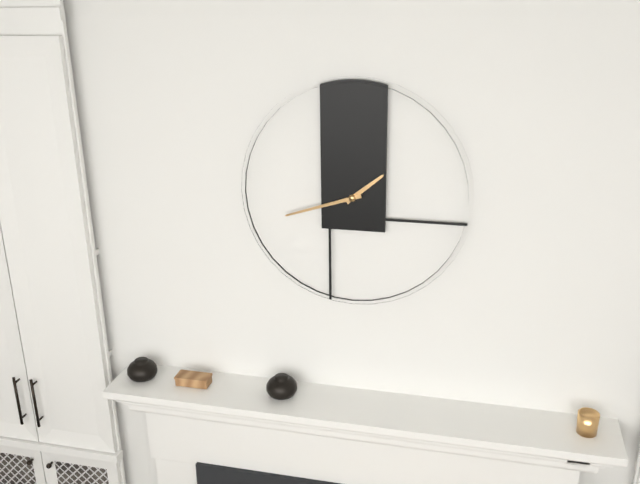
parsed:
1,42
